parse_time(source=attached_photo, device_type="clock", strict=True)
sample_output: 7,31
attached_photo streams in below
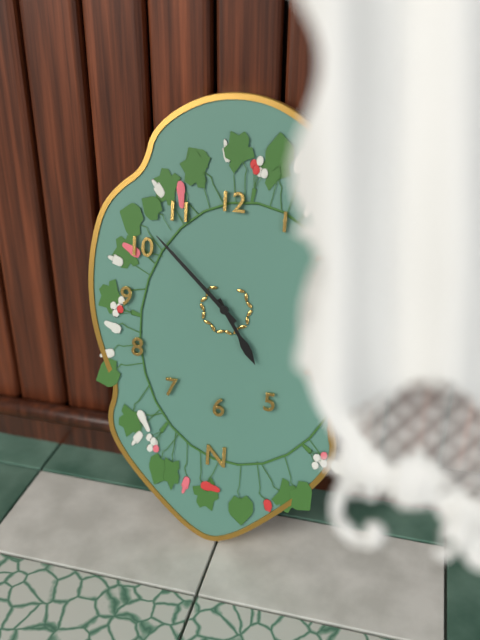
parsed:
4,52
